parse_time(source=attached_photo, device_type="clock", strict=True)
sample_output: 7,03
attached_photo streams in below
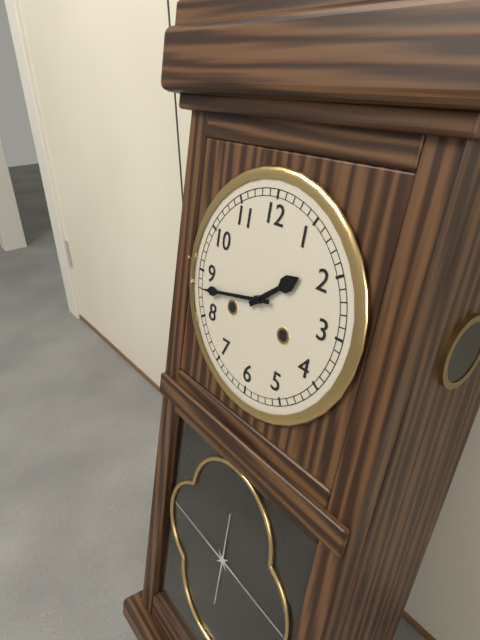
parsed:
1,43
